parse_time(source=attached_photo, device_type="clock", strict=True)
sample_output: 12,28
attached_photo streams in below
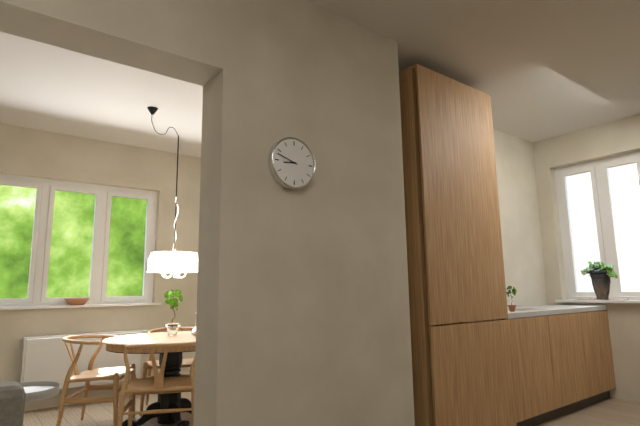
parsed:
8,48
